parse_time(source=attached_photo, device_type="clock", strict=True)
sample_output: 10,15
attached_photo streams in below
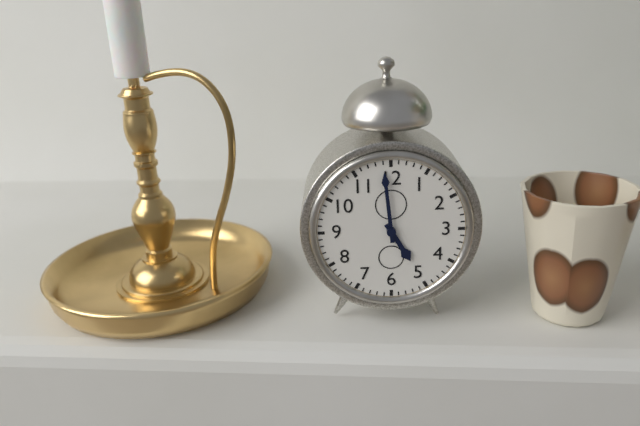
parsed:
4,59
